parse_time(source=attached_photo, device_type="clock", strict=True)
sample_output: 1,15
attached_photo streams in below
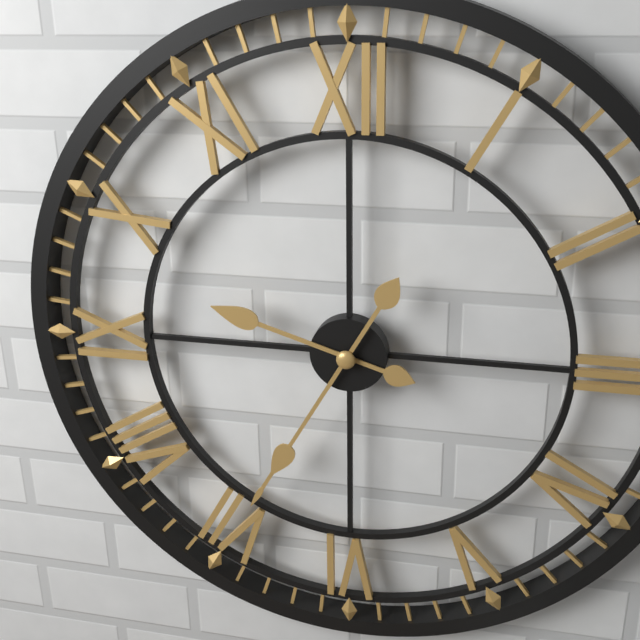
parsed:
9,35
